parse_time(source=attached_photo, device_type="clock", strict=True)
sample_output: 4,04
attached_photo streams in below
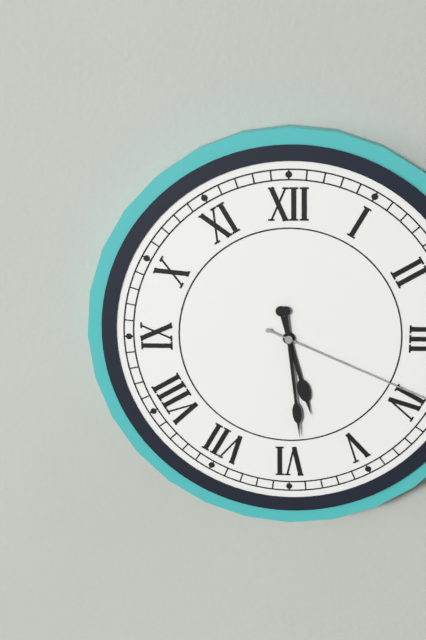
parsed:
5,29
